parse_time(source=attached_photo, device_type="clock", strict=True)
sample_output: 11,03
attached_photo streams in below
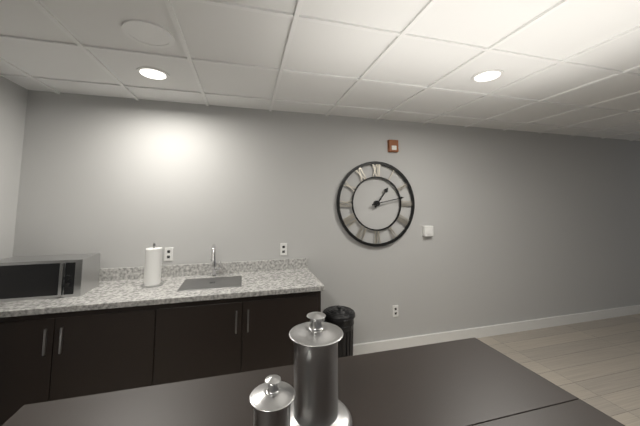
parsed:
1,13
